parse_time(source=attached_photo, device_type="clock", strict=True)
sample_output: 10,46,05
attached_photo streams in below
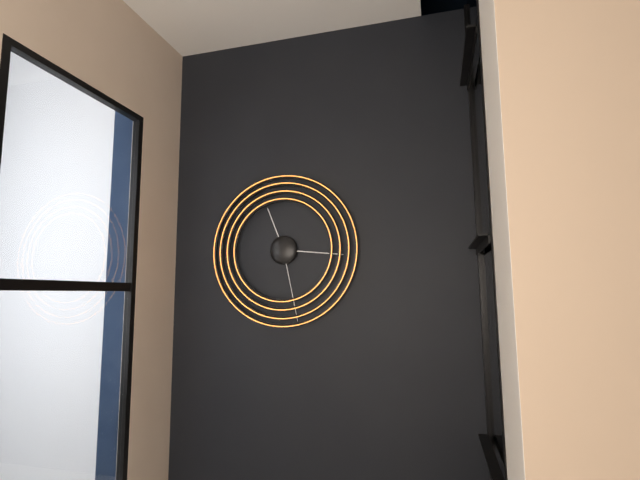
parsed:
11,16,28
